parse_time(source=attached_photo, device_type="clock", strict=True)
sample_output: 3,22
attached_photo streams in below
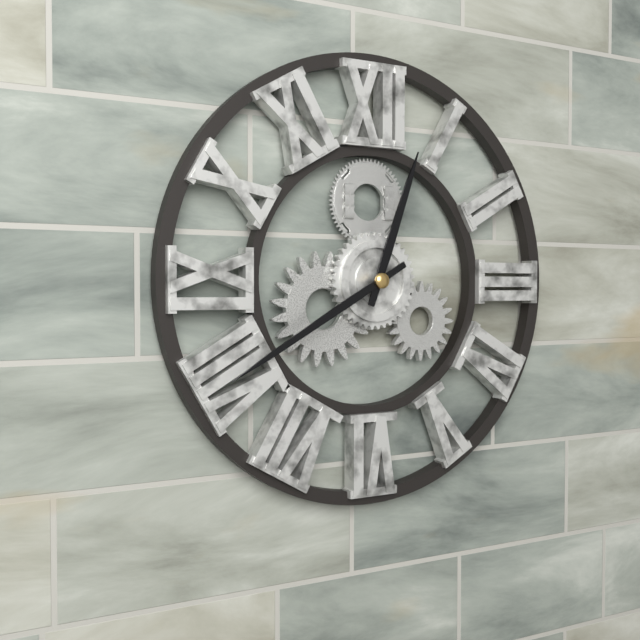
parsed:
12,40
